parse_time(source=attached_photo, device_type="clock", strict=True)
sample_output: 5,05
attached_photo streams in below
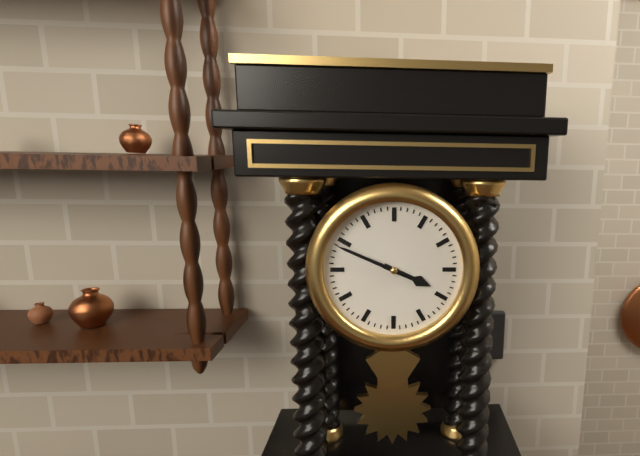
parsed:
3,49
